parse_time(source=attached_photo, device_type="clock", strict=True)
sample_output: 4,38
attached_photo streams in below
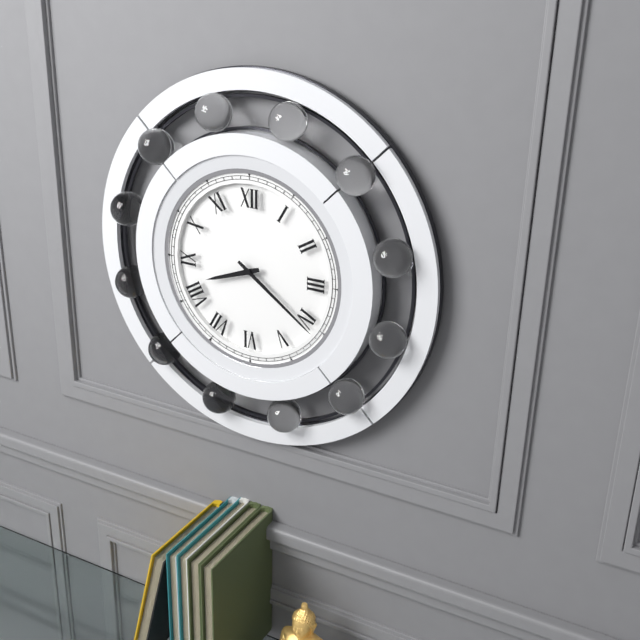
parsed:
8,21
